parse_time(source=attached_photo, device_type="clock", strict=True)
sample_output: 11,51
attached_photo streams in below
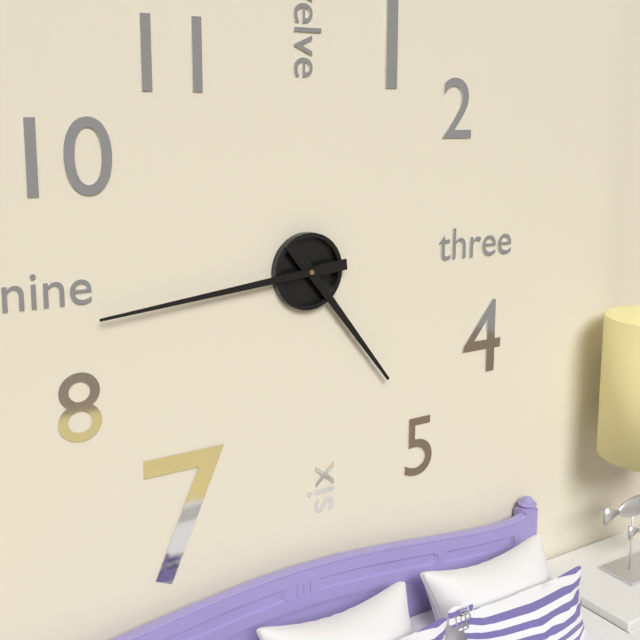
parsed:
4,44
